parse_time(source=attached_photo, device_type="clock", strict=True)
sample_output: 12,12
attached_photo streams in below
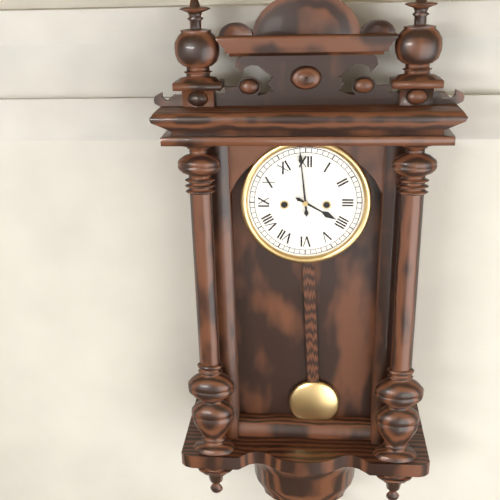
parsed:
3,59
